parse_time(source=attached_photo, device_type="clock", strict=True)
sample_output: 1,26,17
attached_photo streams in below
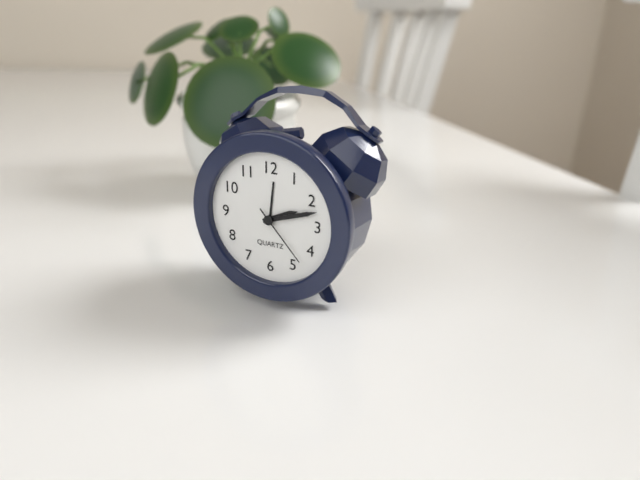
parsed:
2,12,23
